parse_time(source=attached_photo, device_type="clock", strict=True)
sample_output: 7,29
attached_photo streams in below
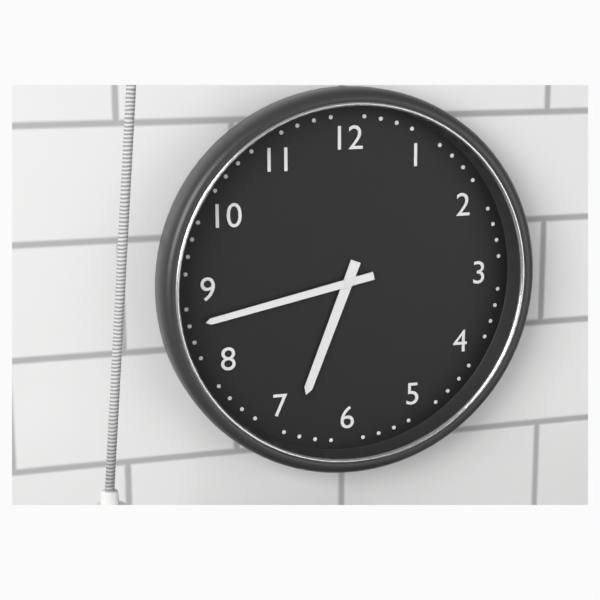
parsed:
6,43
